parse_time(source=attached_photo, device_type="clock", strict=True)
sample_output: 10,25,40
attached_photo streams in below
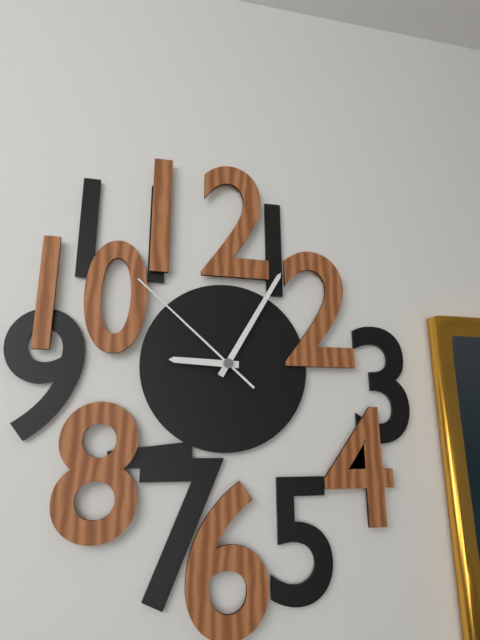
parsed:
9,05,52
